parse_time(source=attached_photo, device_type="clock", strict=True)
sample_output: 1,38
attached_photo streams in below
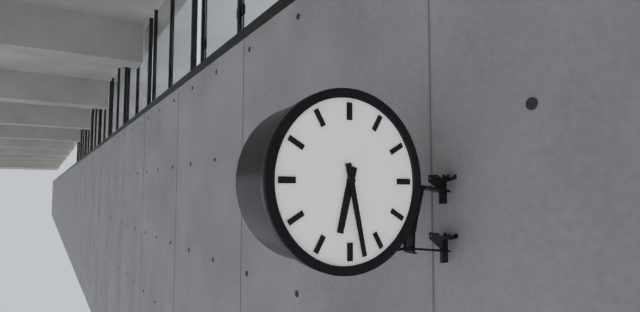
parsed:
6,28
